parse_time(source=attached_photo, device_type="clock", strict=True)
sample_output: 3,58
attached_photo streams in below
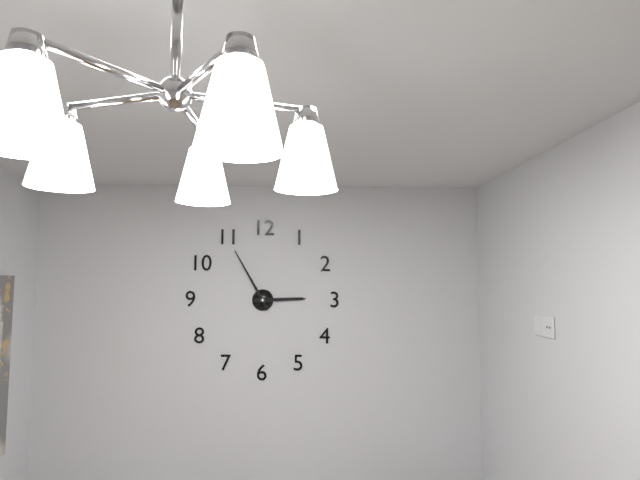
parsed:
2,55
